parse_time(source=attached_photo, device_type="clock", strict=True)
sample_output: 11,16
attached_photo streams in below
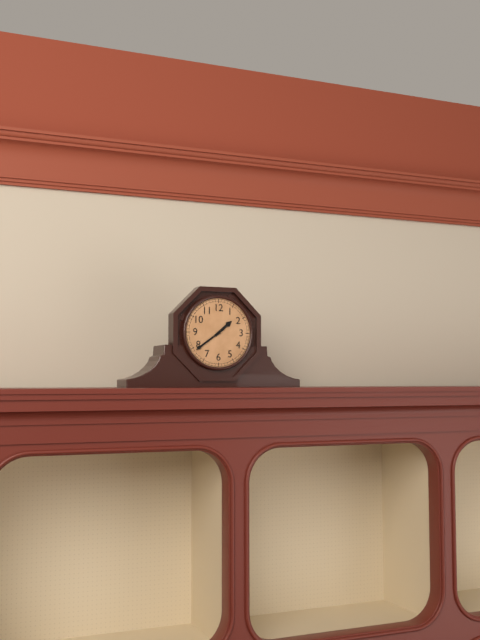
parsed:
1,39
